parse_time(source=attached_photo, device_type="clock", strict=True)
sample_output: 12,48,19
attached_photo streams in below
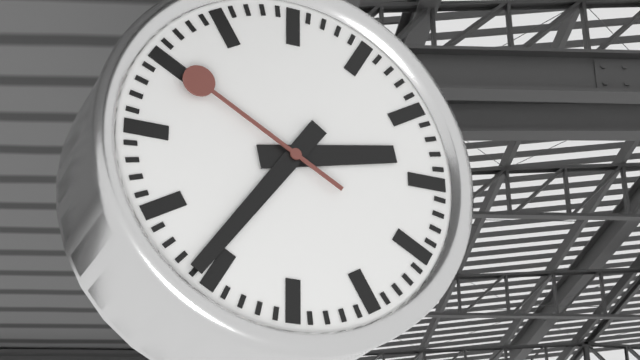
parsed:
2,36,50
